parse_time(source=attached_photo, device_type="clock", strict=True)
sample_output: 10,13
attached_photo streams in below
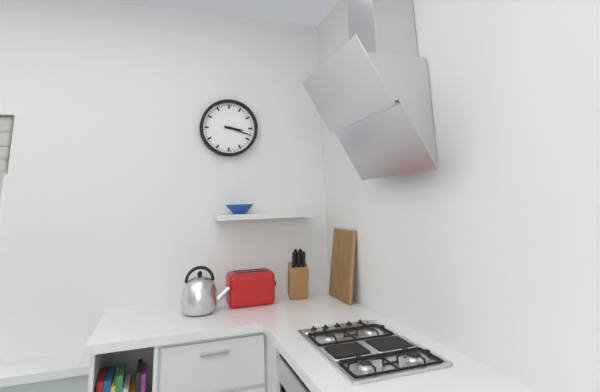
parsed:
3,18
